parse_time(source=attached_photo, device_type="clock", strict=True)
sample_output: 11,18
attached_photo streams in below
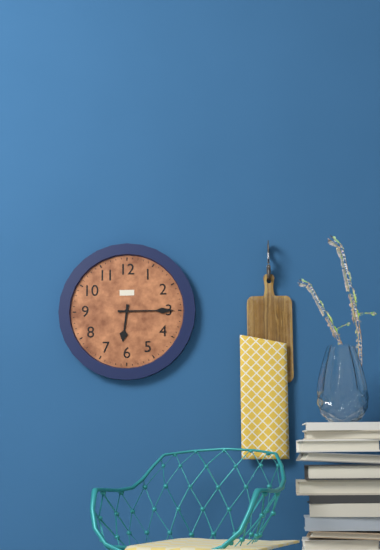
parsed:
6,15
